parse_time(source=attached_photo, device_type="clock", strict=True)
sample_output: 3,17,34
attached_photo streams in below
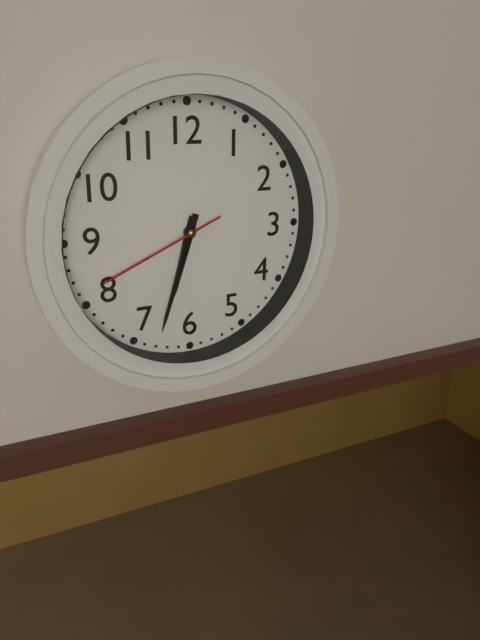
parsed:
6,33,41
